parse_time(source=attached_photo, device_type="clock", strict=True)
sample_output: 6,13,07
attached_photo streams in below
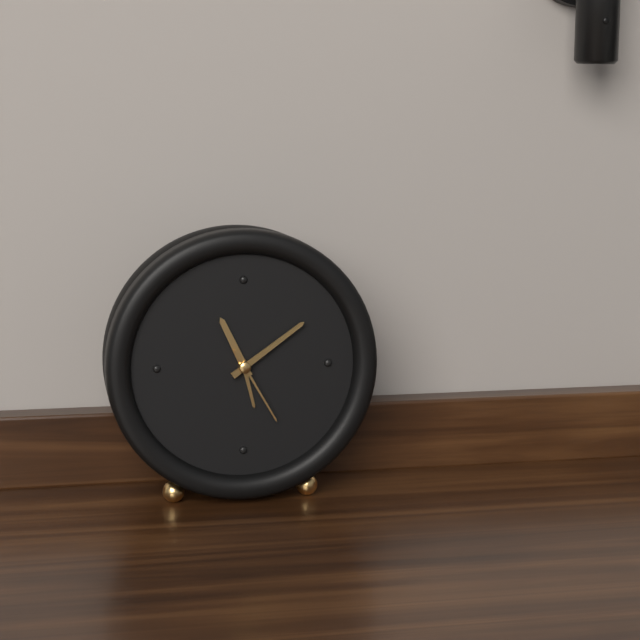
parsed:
11,09,25
